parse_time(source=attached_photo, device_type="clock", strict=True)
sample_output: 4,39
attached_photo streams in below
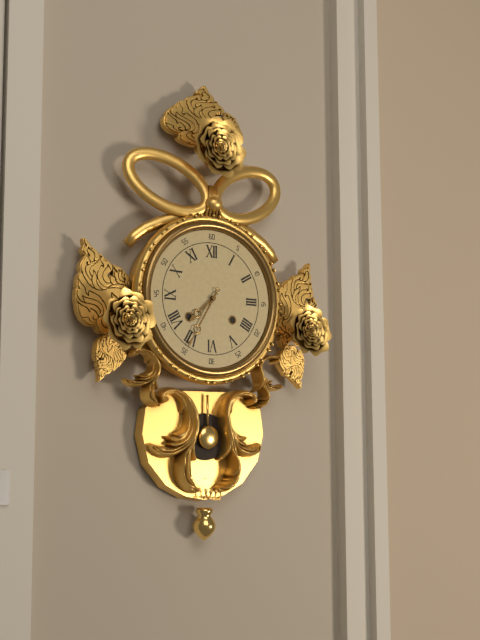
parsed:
7,35
